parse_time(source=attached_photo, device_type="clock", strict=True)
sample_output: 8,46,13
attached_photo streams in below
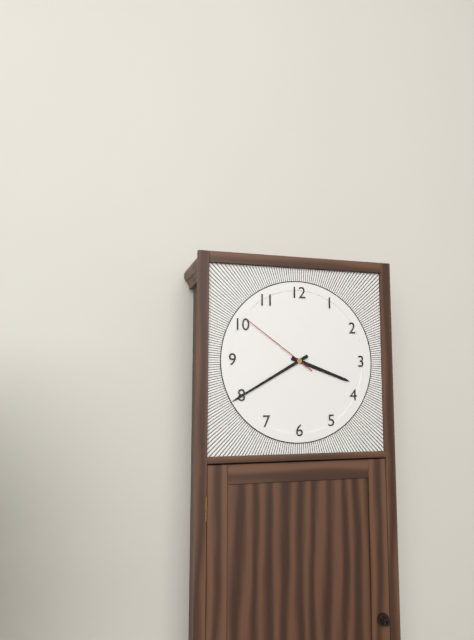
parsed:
3,40,51
